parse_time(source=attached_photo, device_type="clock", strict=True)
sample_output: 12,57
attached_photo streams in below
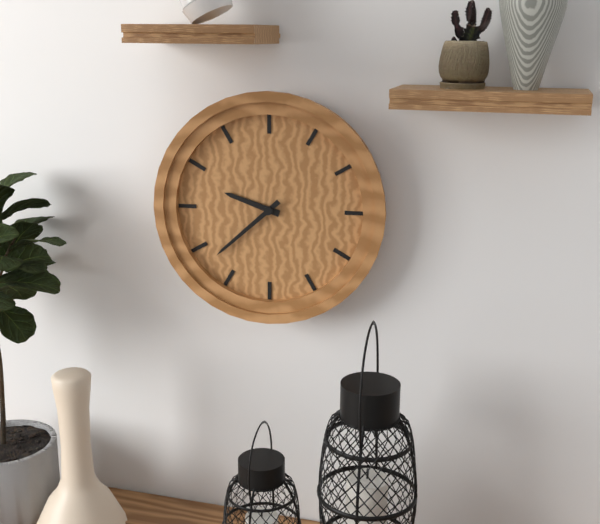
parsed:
9,38
